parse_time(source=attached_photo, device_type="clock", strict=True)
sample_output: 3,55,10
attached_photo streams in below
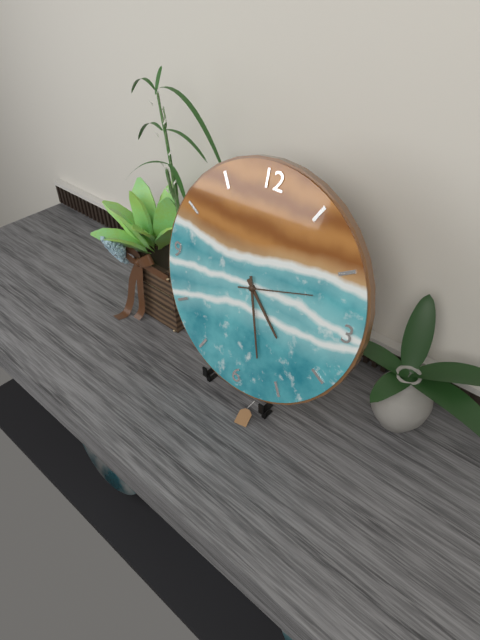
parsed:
4,27,12
